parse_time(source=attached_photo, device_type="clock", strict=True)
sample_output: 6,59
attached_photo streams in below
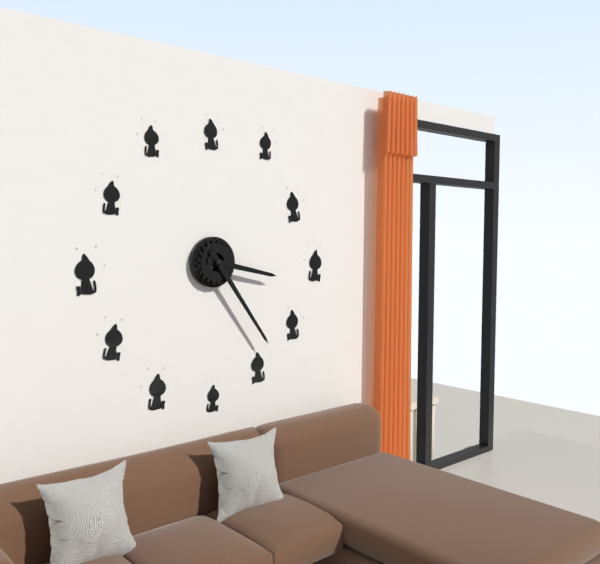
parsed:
3,24
